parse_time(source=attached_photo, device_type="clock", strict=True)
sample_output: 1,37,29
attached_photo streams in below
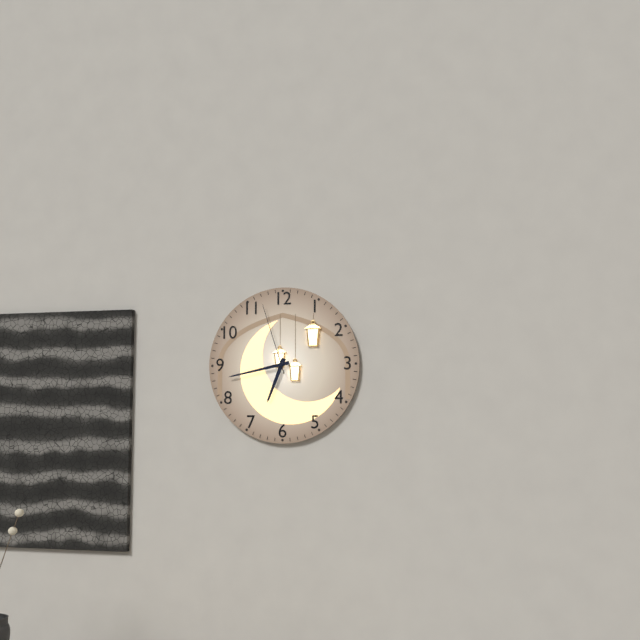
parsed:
6,43,57
